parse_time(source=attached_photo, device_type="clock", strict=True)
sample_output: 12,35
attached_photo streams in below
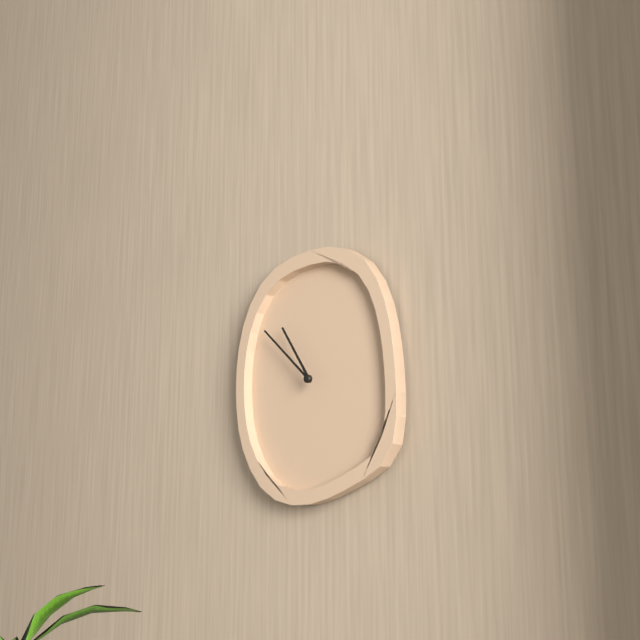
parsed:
10,52
